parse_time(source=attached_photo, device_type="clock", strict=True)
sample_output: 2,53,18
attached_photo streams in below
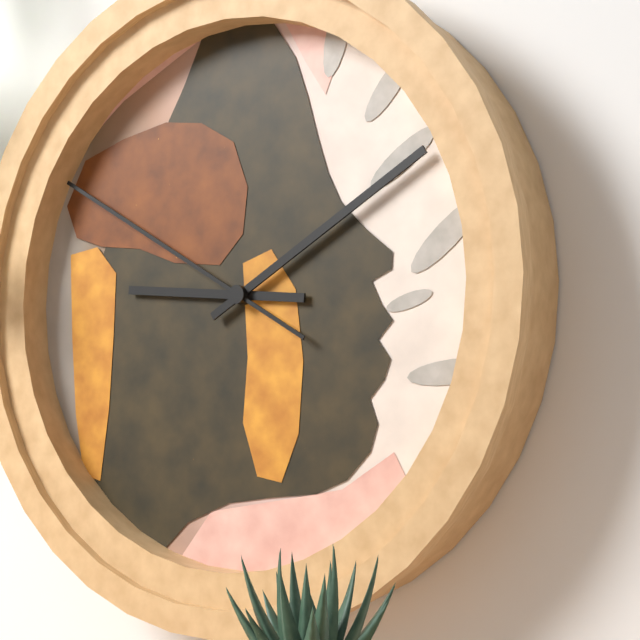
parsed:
9,10,50
